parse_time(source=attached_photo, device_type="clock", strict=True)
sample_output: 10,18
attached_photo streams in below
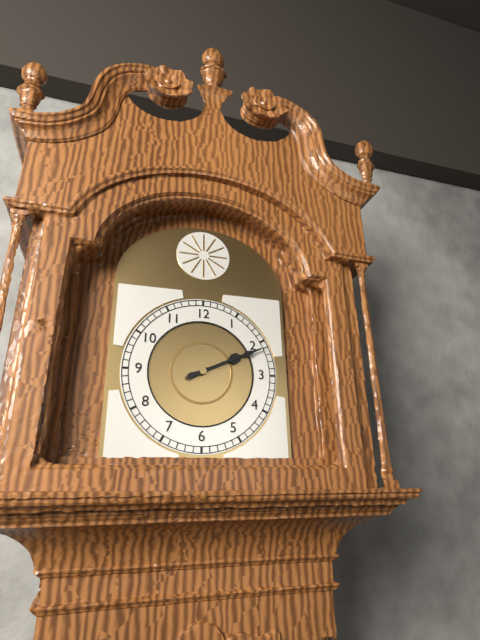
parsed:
2,11
